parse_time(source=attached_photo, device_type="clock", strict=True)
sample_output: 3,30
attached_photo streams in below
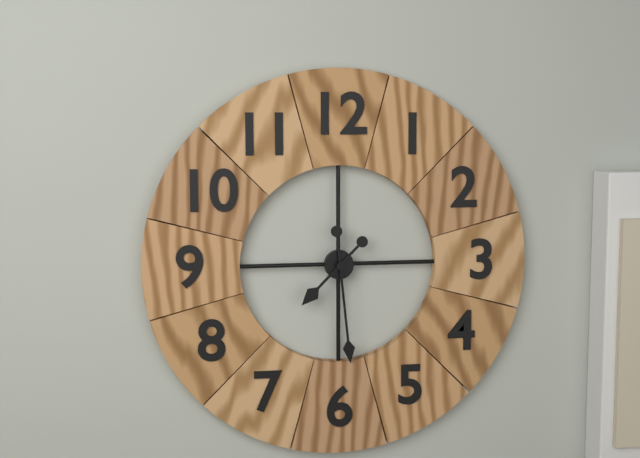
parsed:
7,29
